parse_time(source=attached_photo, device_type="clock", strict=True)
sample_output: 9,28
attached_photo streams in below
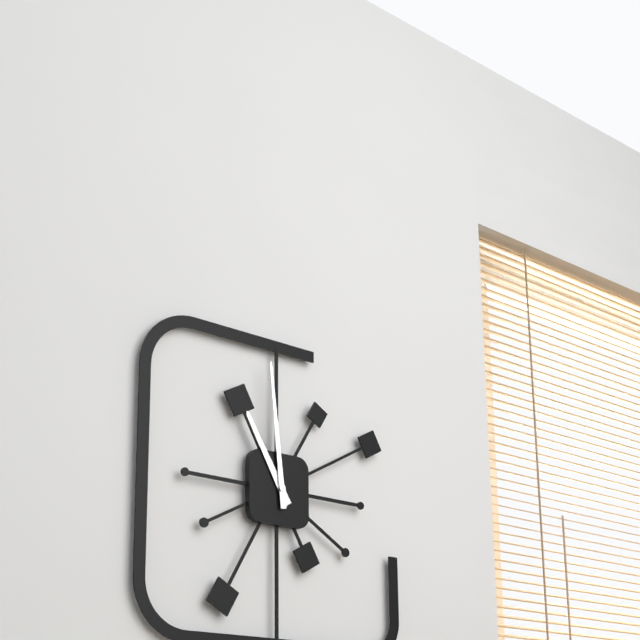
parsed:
10,59
